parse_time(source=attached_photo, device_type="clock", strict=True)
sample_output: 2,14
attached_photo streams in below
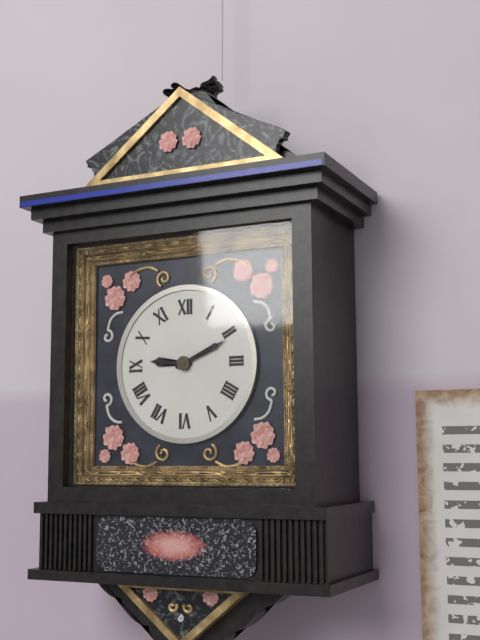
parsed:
9,11
